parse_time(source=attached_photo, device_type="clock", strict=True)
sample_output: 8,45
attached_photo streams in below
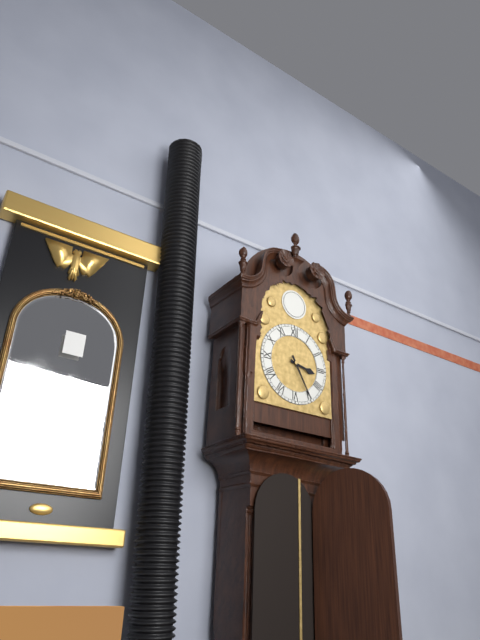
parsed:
3,25
